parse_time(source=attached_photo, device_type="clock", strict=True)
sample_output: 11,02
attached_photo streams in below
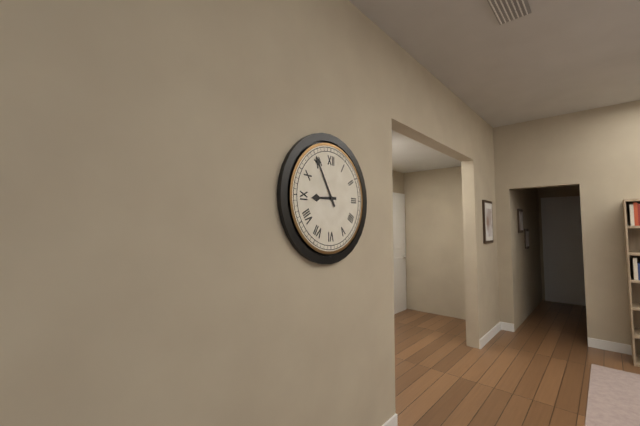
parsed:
8,55
